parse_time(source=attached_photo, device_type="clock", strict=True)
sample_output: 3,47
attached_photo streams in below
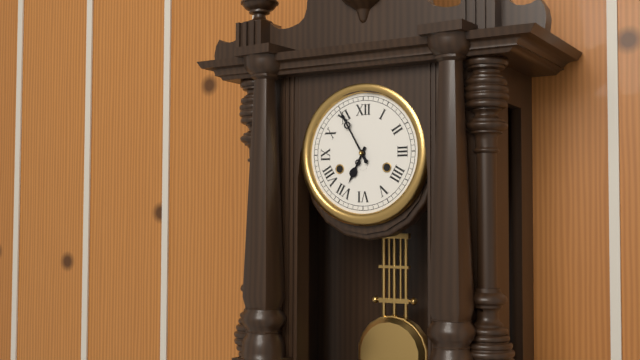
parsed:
6,55
